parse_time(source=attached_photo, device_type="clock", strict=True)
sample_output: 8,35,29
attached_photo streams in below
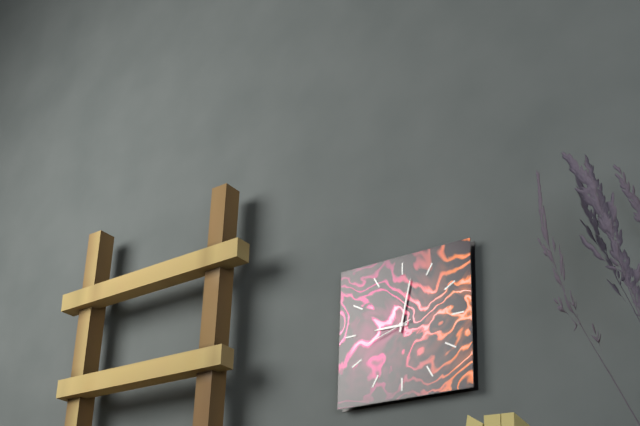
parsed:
9,02,42
